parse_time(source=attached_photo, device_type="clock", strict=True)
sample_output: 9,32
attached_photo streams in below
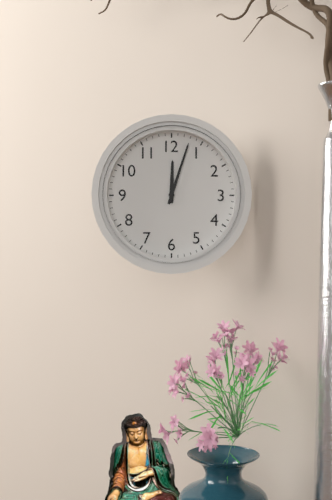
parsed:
12,03
